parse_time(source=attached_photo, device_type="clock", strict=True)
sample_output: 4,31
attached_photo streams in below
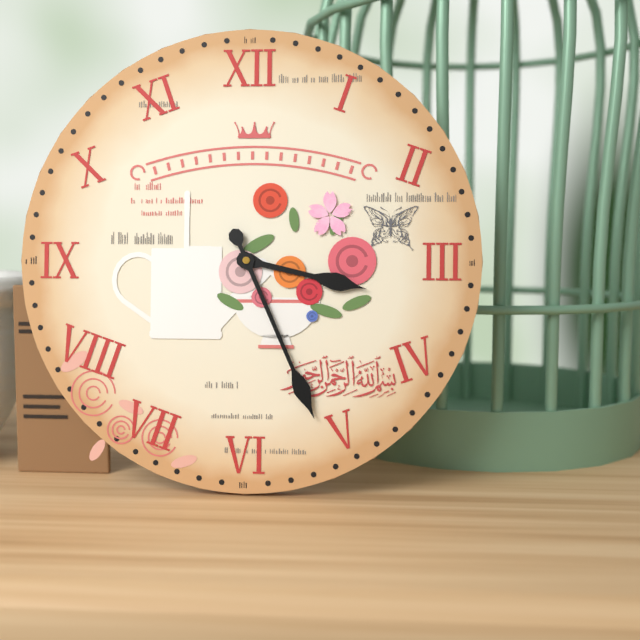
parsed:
3,26
